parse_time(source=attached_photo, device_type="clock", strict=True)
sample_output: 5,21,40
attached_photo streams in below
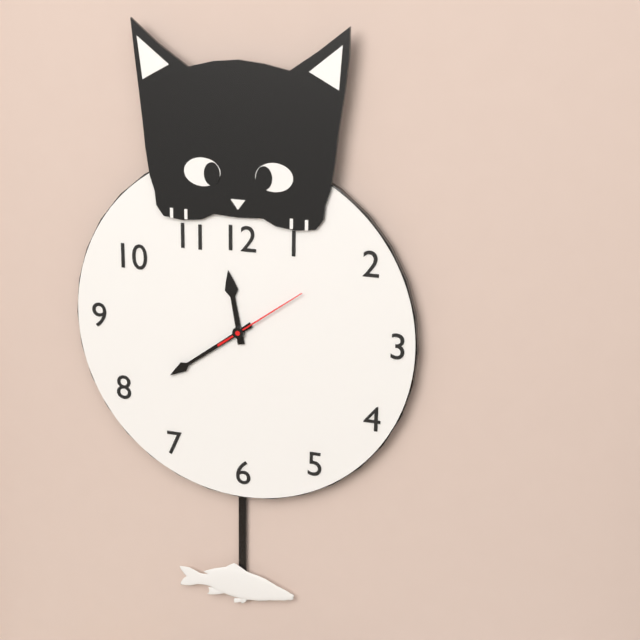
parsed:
11,39,09
